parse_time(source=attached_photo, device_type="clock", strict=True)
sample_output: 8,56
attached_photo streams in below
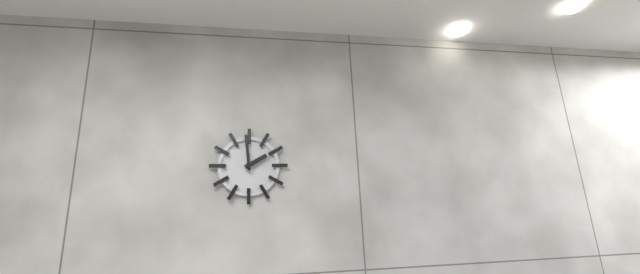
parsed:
1,59
